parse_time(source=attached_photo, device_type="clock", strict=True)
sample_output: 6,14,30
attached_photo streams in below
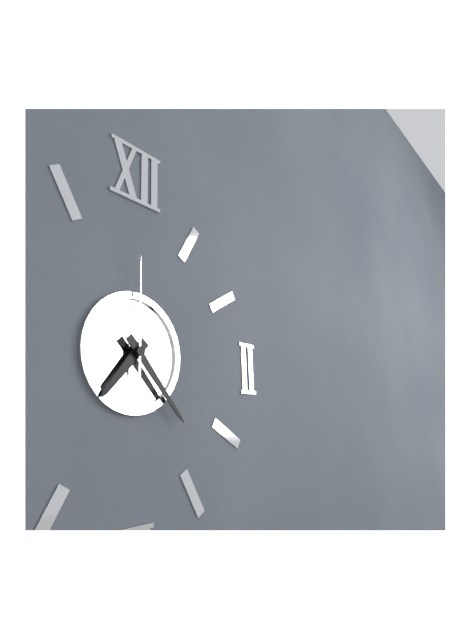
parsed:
7,23,00
